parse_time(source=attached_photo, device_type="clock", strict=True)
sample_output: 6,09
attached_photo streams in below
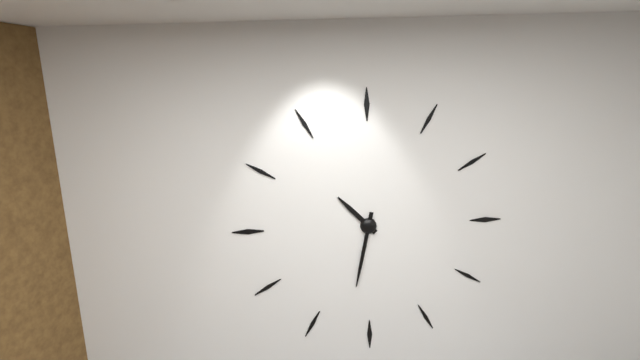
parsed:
10,32
